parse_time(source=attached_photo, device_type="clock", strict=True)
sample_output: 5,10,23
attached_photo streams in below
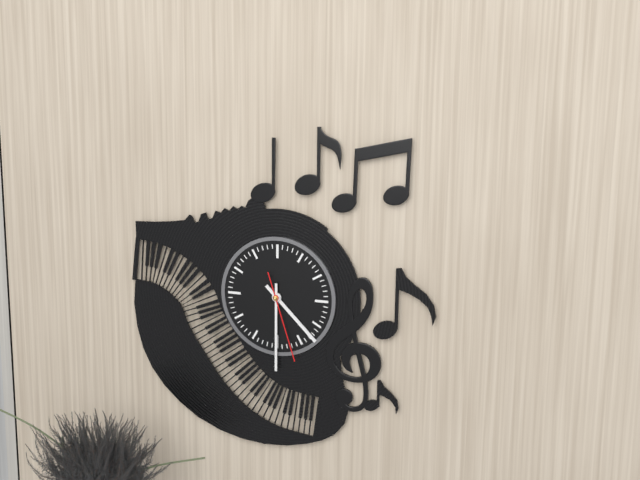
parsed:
4,30,27
